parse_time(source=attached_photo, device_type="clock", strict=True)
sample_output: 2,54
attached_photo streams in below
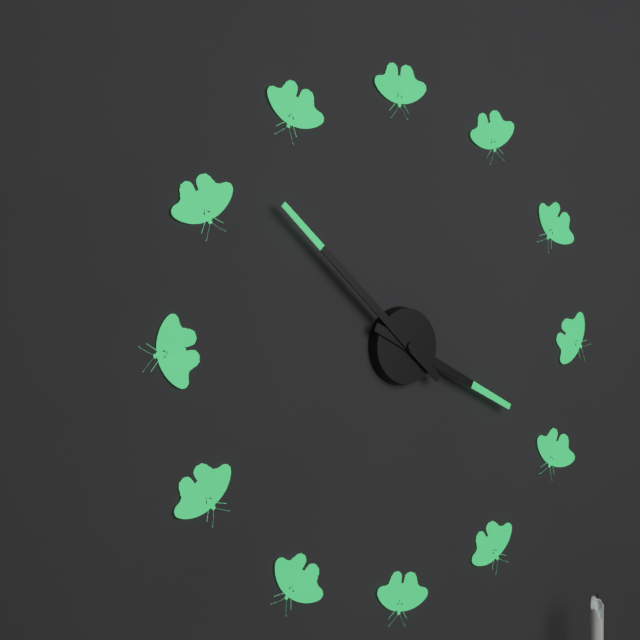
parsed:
3,52
